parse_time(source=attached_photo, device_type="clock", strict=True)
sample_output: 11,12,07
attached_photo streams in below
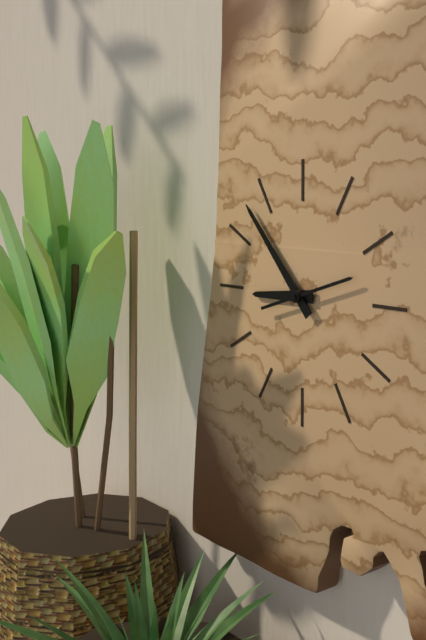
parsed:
8,53,12
